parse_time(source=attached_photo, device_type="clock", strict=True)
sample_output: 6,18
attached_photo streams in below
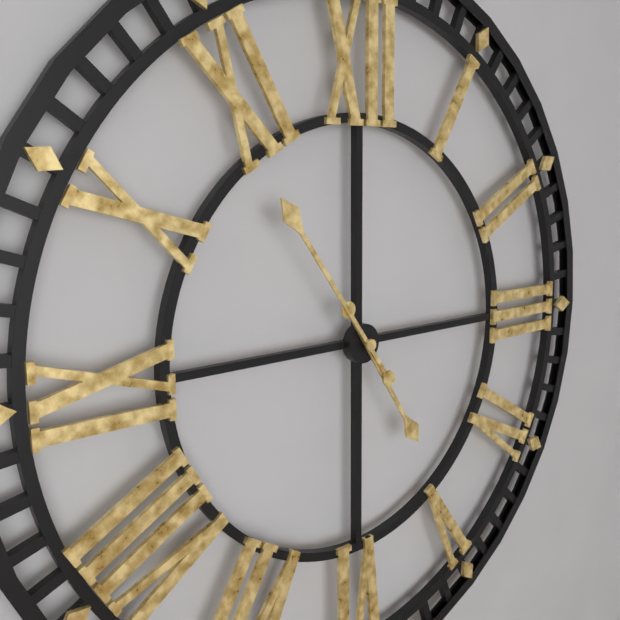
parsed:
4,54
